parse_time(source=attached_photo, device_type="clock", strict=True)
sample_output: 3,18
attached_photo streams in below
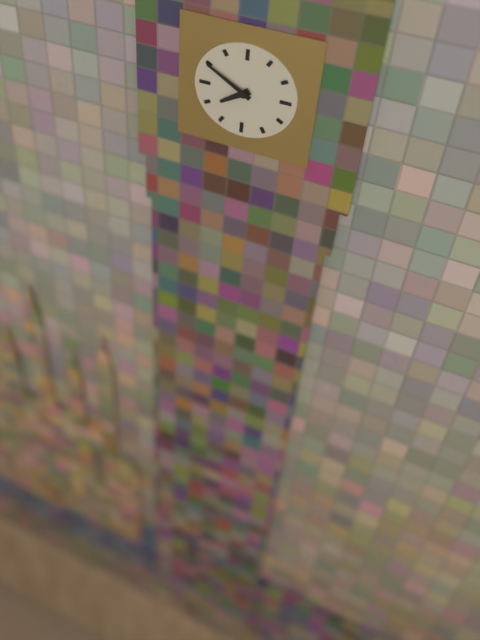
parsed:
7,50
